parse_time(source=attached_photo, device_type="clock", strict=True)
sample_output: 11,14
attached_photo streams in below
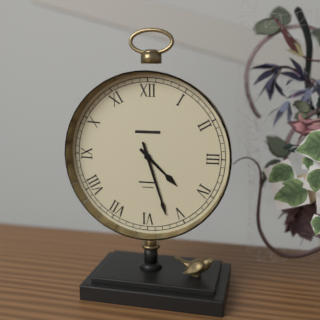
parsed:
4,27
